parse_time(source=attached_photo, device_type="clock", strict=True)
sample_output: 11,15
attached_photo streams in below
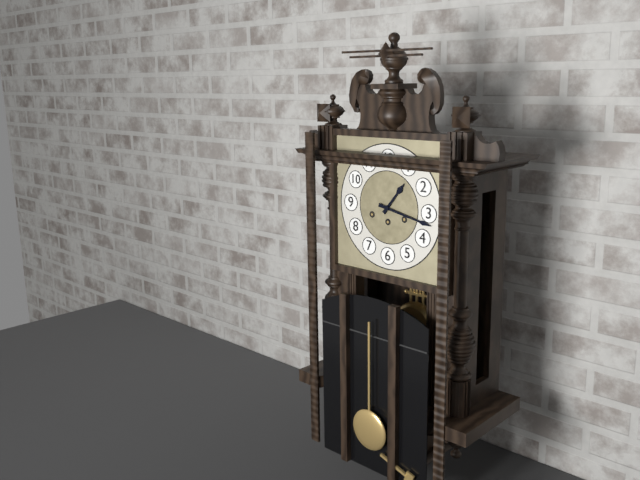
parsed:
1,17
